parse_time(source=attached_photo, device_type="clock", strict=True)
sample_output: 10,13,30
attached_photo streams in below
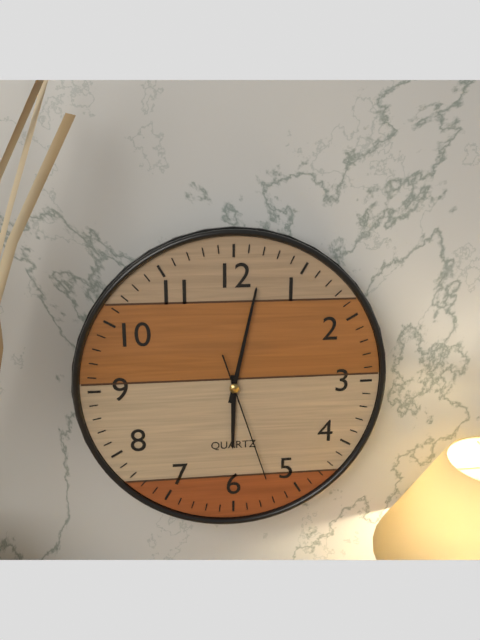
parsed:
6,02,27
